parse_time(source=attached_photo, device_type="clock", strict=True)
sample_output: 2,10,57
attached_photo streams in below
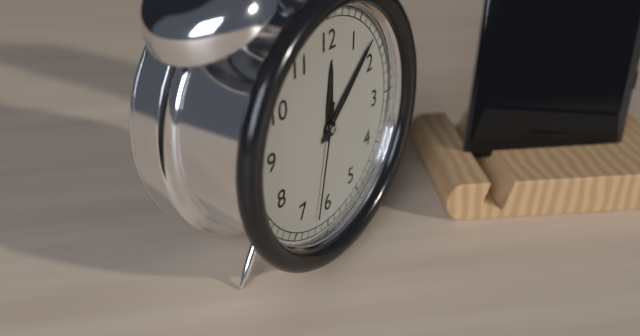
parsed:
12,08,32
